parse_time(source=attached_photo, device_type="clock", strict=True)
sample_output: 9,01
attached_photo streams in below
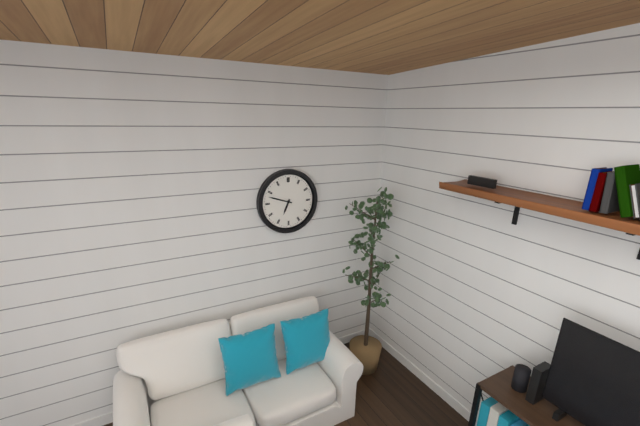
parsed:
6,48
